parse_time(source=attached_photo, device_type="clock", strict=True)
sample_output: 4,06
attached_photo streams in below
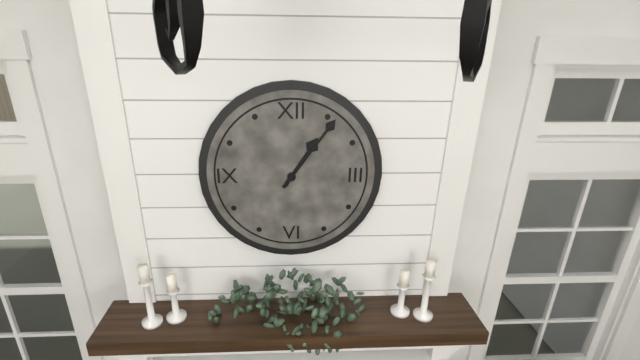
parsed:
1,06
